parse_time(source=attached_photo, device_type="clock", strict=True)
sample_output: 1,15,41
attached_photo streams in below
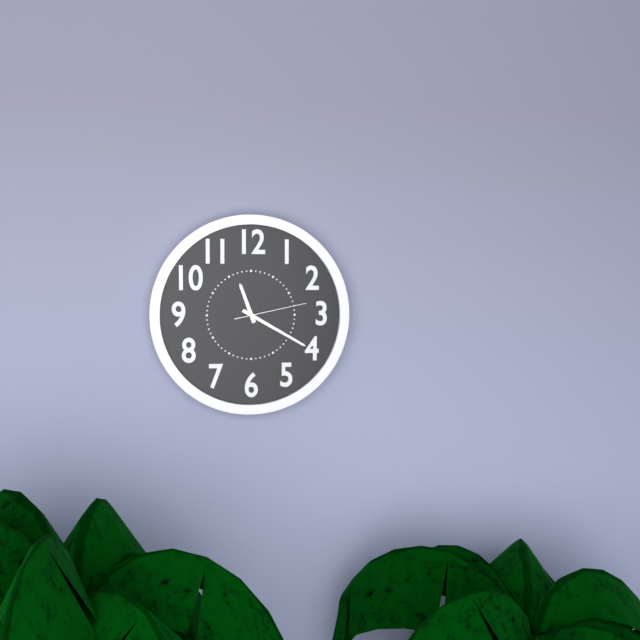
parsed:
11,20,13
